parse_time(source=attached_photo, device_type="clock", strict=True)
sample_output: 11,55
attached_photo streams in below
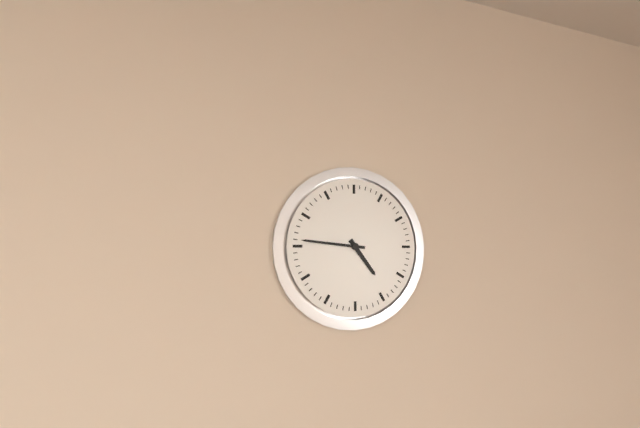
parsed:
4,46
